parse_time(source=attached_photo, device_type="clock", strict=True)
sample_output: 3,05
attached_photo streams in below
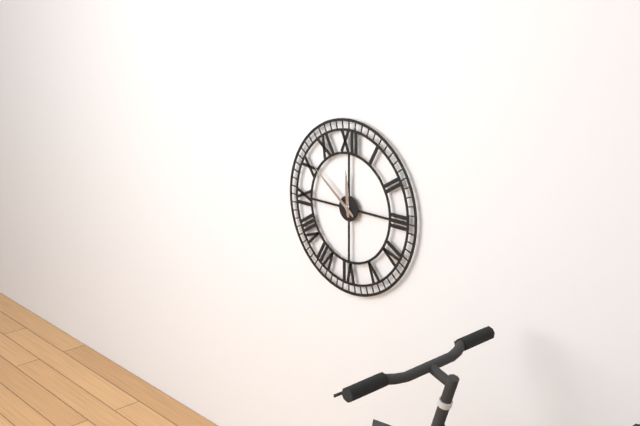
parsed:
11,51
